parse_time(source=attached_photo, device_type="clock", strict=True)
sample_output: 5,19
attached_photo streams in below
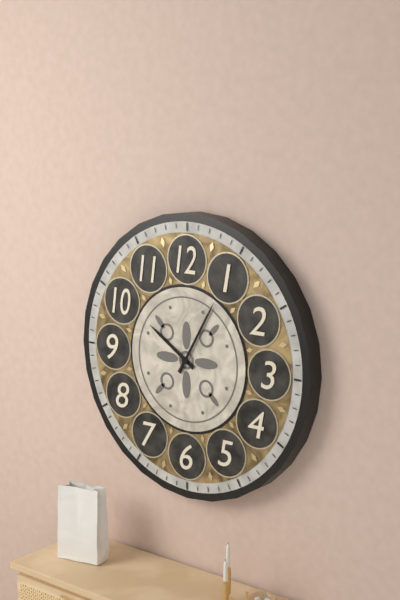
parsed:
10,05
